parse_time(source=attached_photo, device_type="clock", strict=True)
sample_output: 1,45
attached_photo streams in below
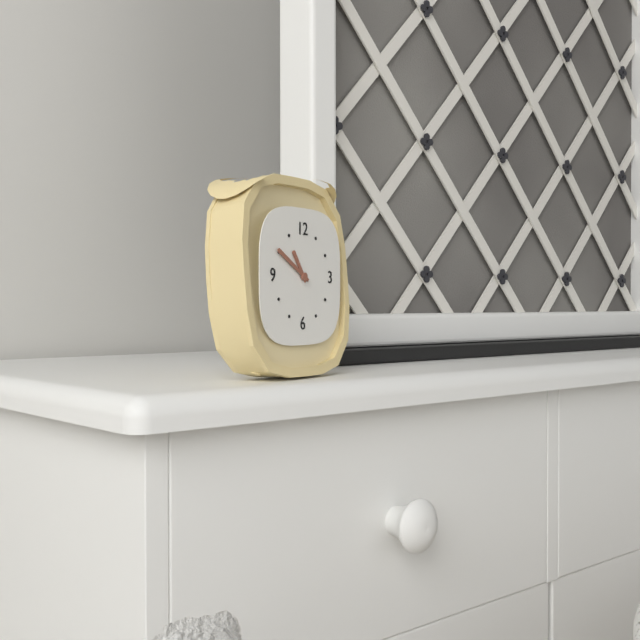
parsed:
10,50
